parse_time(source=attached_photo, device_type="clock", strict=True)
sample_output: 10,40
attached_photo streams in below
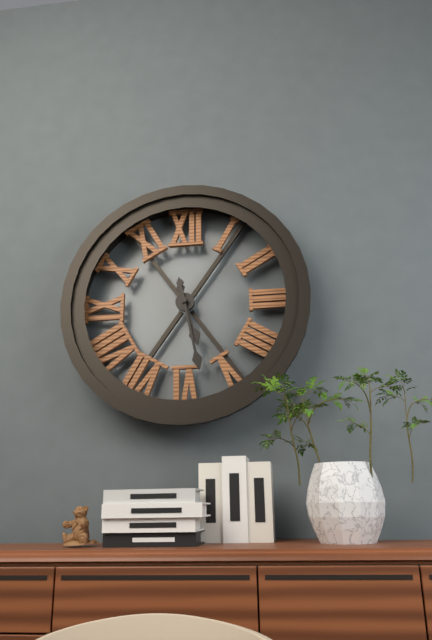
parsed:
5,28
